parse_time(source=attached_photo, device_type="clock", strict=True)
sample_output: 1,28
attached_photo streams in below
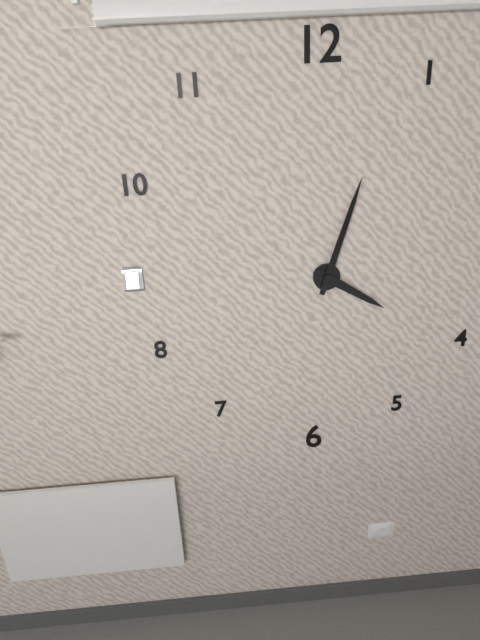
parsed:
4,03
